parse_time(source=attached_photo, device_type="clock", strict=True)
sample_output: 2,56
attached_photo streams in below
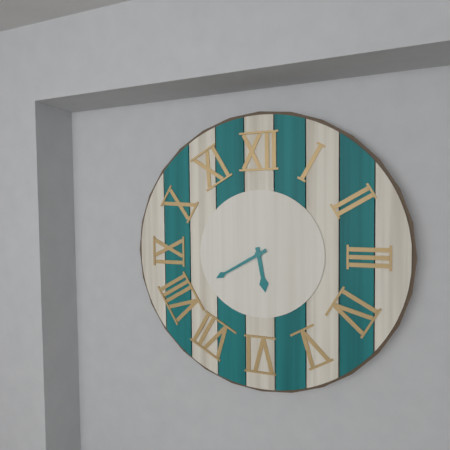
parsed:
5,40
